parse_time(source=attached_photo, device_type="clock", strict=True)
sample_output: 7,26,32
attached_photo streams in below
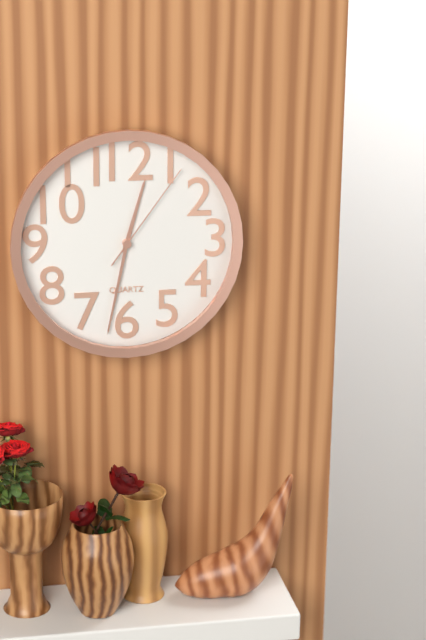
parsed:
12,32,06
